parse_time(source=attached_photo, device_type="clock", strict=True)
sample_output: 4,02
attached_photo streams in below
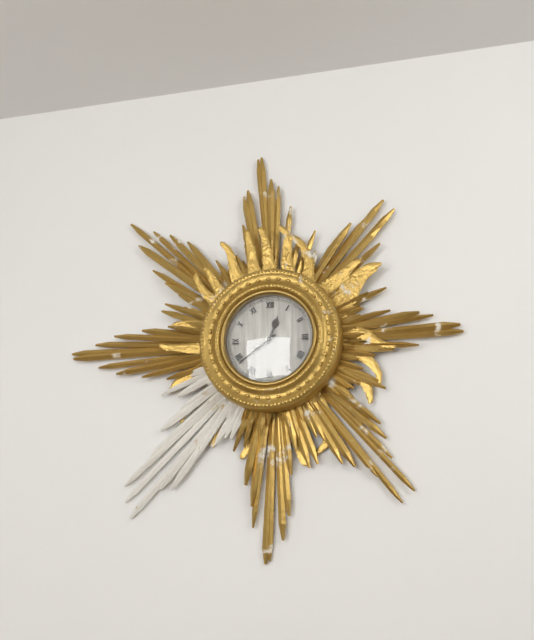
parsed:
12,39
